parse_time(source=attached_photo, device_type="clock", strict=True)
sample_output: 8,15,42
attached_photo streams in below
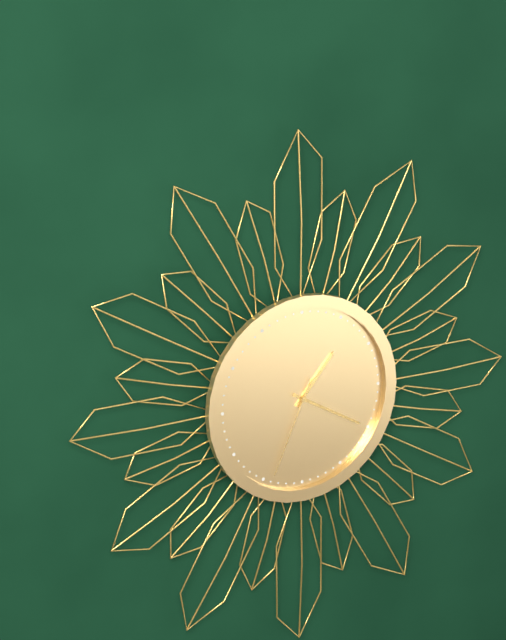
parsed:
1,20,34
